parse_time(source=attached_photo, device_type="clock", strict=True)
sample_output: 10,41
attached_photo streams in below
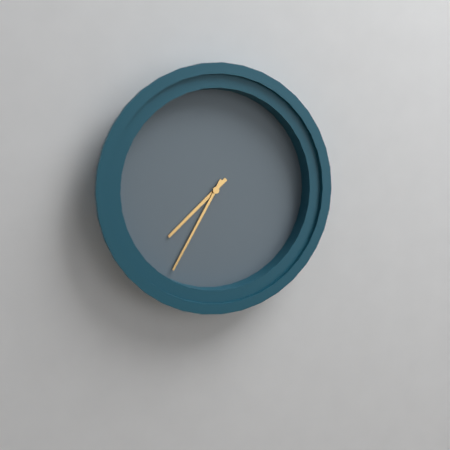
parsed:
7,35
